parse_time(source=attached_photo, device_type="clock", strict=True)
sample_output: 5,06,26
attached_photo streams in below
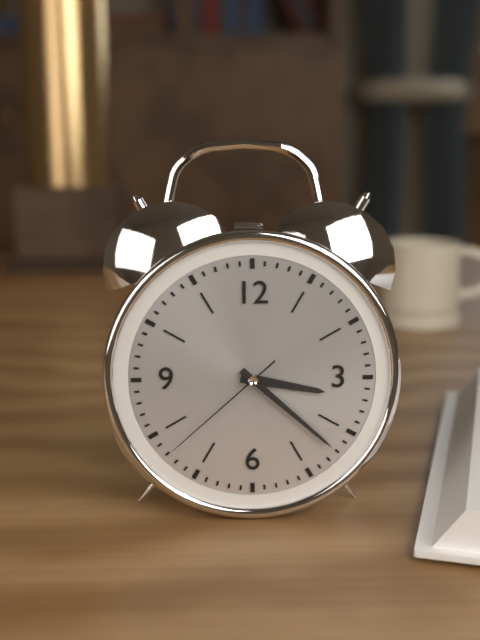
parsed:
3,22,38
